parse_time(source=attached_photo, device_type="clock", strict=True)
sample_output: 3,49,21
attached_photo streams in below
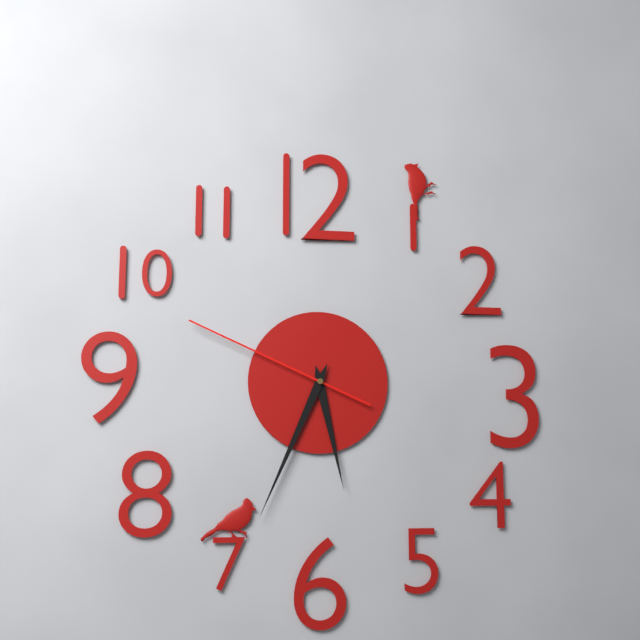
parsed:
5,34,49
